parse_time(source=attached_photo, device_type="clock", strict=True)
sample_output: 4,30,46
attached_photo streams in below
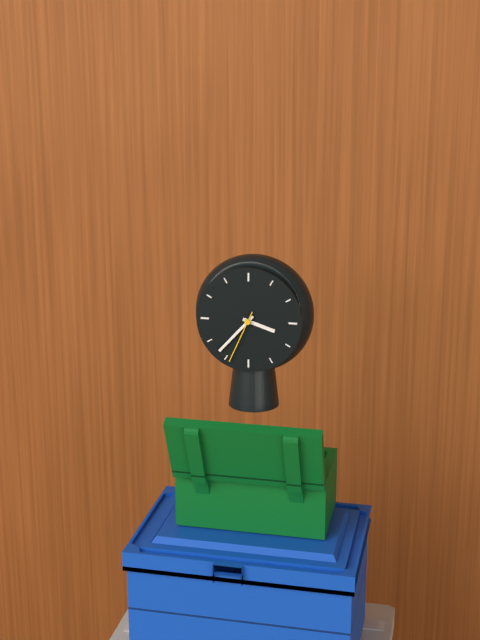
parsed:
3,37,34
